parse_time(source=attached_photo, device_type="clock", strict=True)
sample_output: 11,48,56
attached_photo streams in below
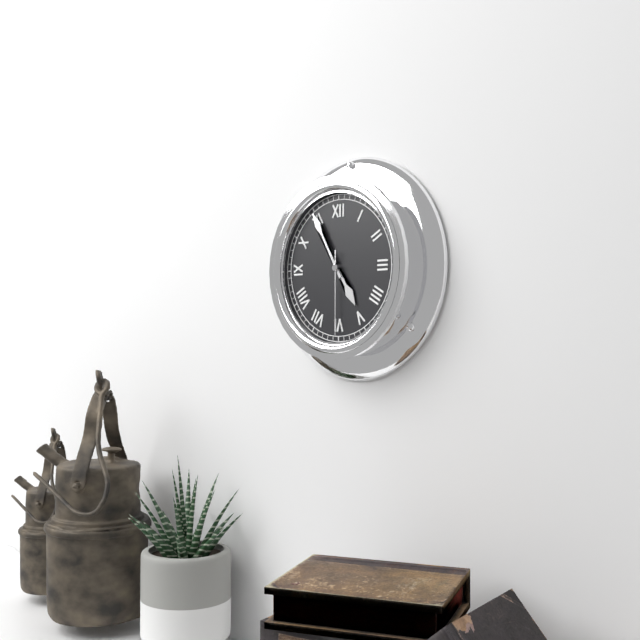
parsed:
4,55,30
